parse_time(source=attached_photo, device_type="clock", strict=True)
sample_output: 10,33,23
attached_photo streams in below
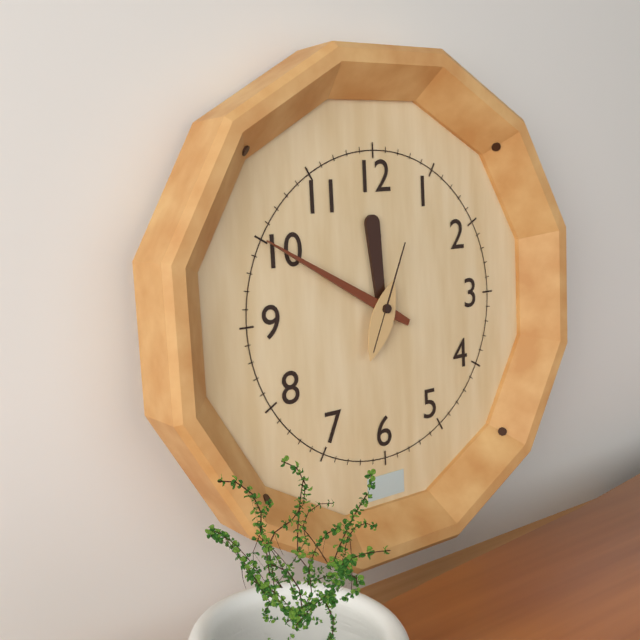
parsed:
11,50,04
